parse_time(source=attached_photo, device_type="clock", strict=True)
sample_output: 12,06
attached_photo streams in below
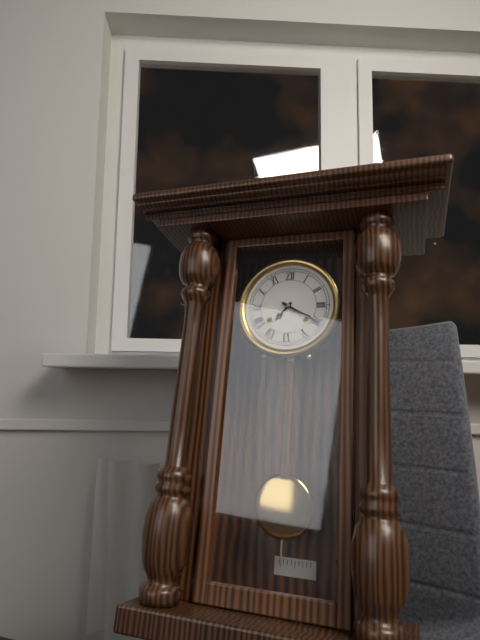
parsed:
7,20
